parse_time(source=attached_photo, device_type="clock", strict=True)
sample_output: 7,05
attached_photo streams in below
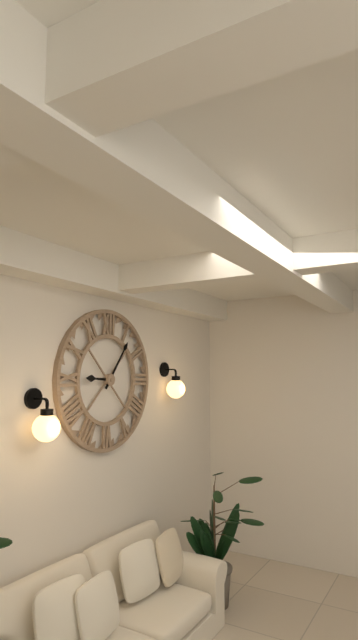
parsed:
9,06
